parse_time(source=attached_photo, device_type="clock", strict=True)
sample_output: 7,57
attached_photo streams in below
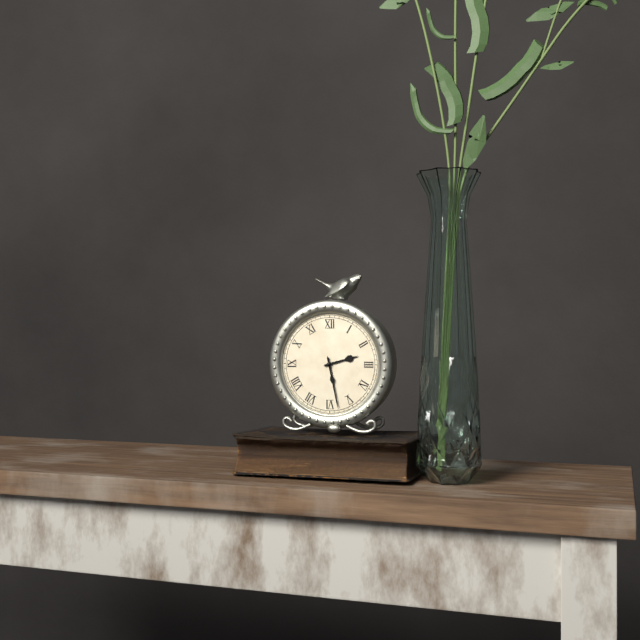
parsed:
2,28
